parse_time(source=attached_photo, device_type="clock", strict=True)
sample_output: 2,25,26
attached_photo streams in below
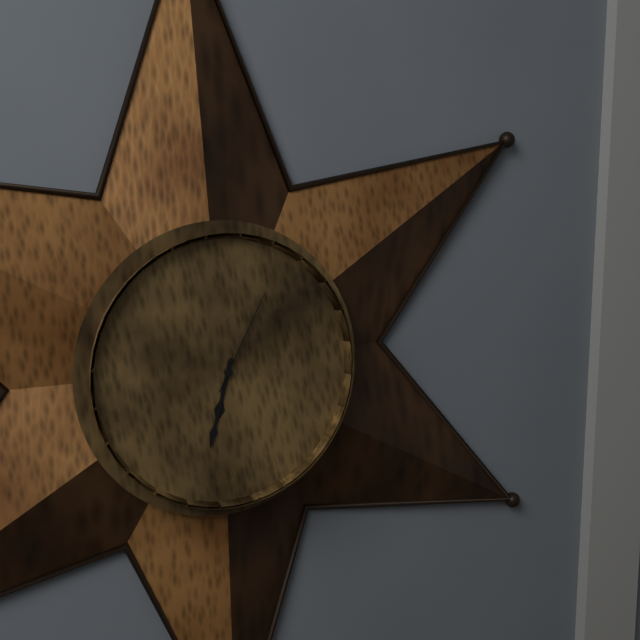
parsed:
6,33,05
